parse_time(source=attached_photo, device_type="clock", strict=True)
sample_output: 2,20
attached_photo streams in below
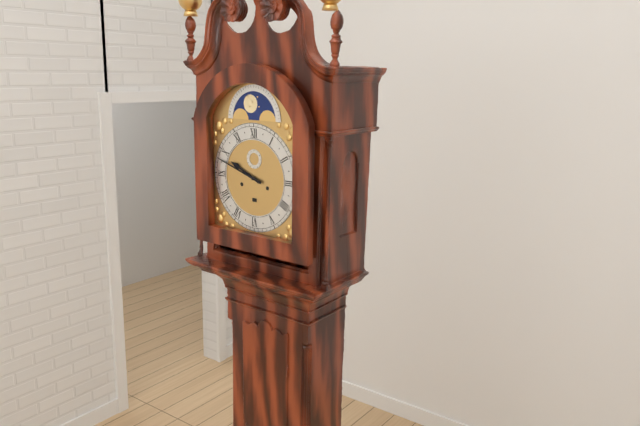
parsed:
9,48
